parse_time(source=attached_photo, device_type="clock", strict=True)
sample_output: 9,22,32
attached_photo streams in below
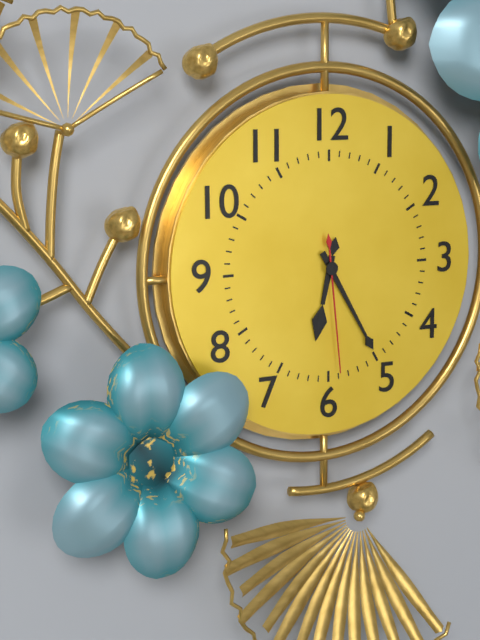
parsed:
6,25,29
